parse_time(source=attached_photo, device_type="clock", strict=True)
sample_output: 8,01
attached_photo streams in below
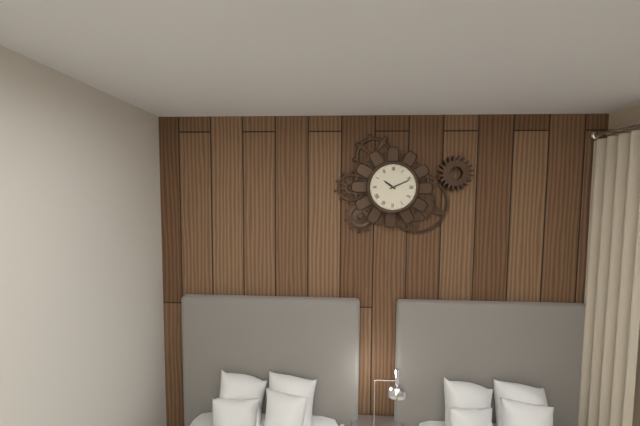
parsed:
10,11
